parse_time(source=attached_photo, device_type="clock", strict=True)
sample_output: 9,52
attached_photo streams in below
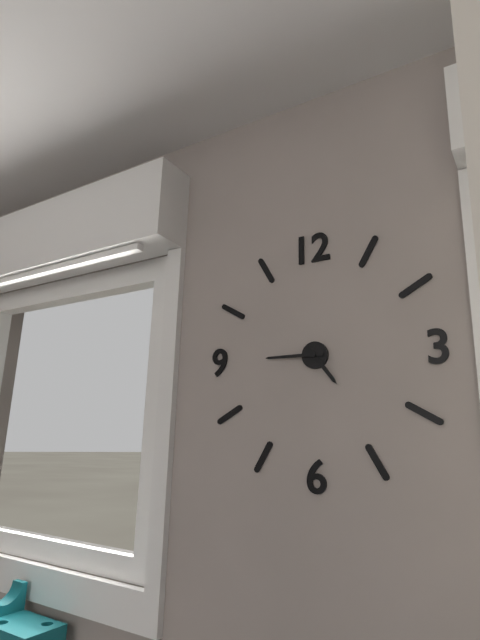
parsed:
4,45
